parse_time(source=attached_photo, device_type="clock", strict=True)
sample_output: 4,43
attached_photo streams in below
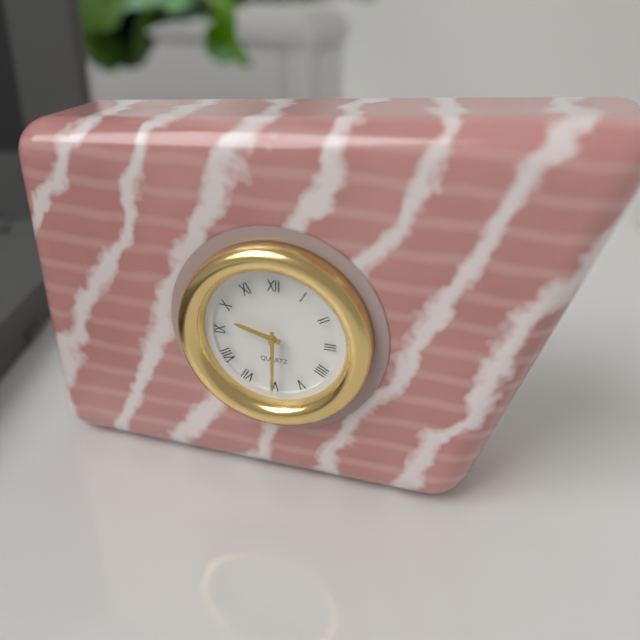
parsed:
9,30
